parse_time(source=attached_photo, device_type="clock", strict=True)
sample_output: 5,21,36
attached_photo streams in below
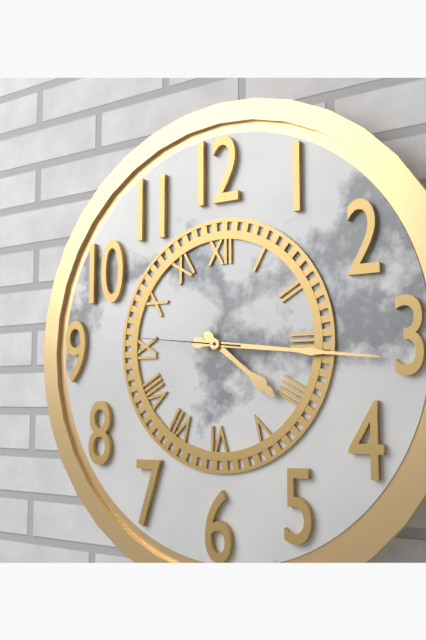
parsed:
4,16,46
